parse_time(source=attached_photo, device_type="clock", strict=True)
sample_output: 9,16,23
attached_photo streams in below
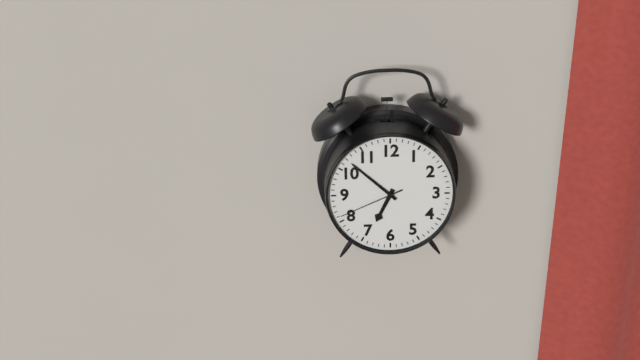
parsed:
6,52,41
